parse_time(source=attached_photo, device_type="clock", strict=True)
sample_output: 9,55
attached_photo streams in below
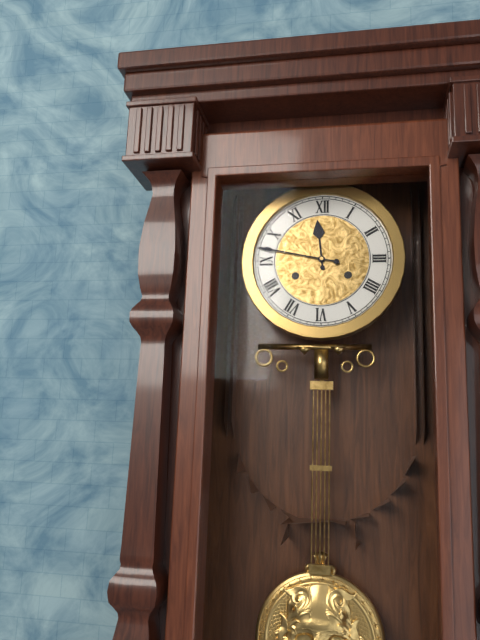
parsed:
11,47
